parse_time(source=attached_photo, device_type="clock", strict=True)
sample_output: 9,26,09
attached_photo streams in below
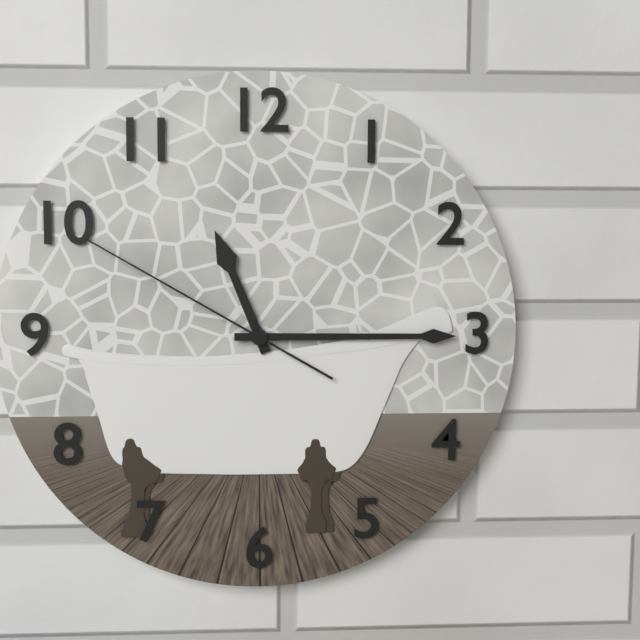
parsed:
11,15,50
